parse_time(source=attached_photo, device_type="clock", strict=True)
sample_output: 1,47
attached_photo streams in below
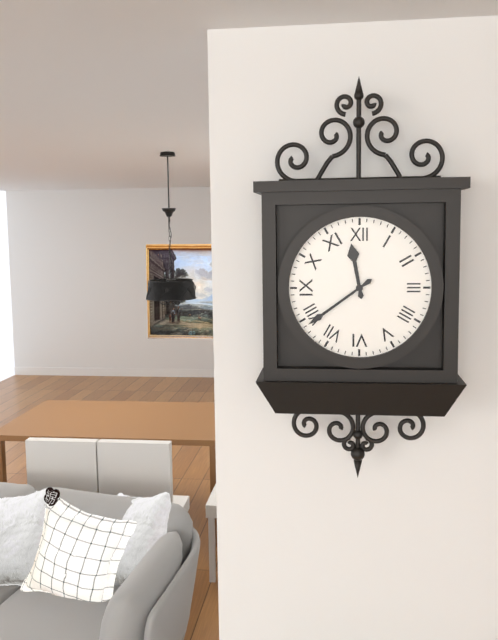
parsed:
11,39
